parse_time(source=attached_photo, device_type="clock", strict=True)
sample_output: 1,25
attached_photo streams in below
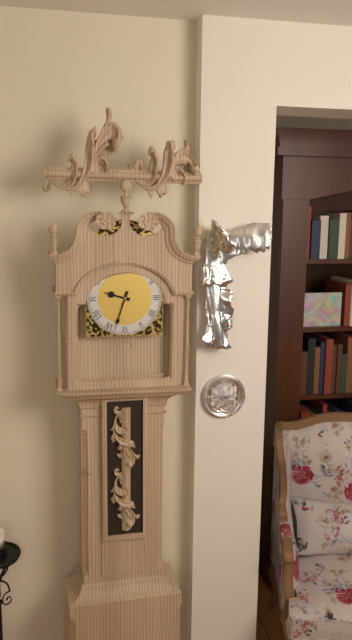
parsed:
9,33
